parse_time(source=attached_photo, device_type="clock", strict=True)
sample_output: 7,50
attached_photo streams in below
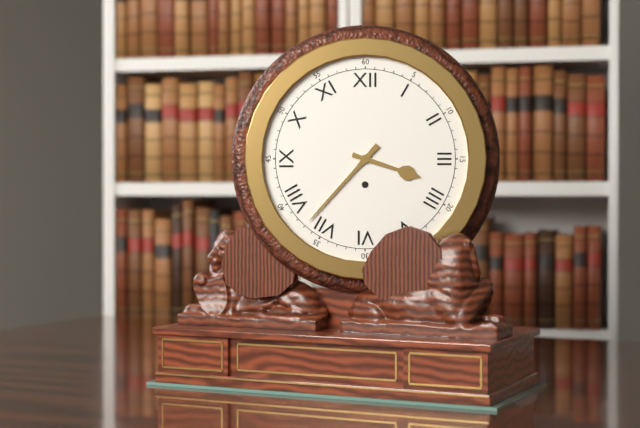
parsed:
3,37
